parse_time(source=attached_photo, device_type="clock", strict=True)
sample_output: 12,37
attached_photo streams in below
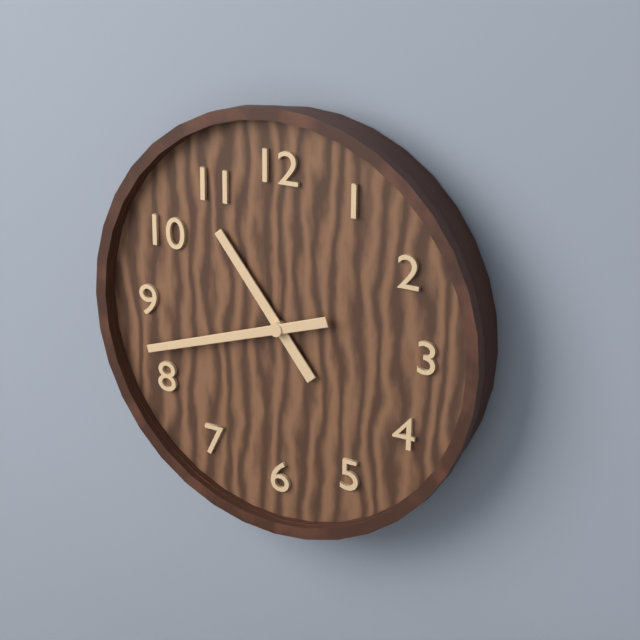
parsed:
10,42
